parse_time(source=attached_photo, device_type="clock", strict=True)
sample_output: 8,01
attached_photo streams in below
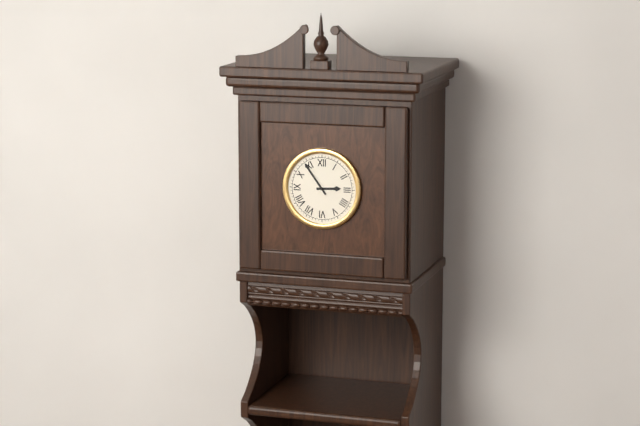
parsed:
2,54
